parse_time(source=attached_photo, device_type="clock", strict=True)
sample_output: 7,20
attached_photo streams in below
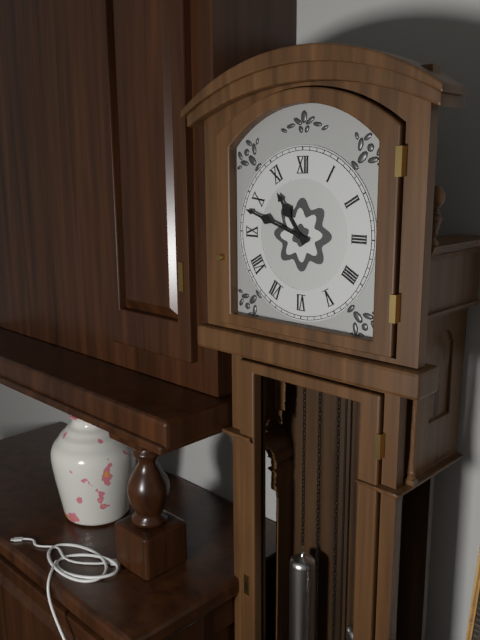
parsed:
10,48
